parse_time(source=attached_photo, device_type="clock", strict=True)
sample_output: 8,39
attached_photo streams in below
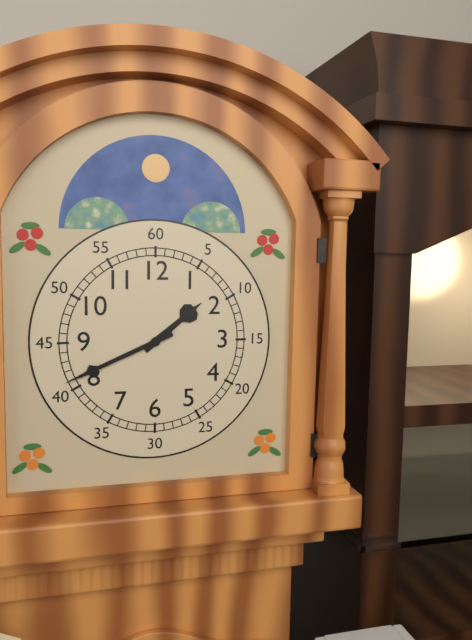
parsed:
1,41
